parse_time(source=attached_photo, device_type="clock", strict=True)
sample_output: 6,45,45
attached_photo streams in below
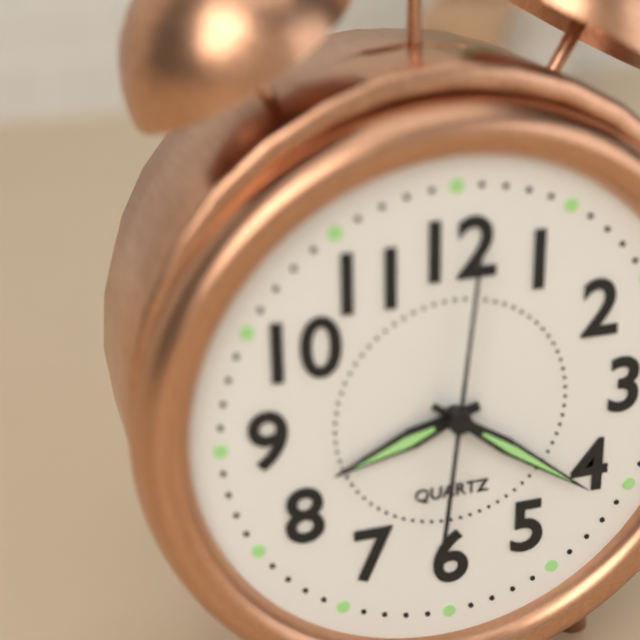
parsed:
8,21,01
